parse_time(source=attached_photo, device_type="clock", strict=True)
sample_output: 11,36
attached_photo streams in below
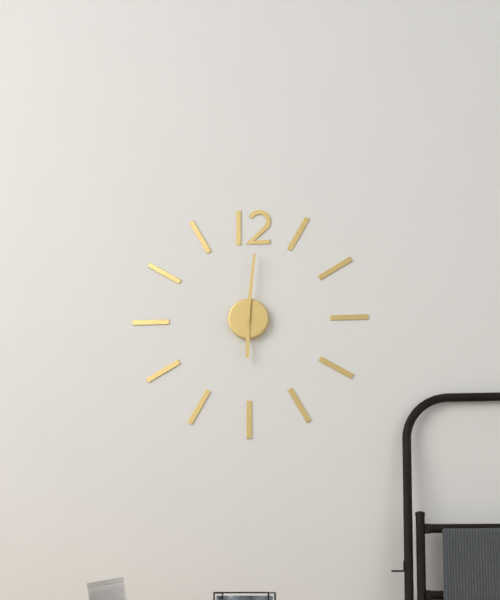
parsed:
6,01
